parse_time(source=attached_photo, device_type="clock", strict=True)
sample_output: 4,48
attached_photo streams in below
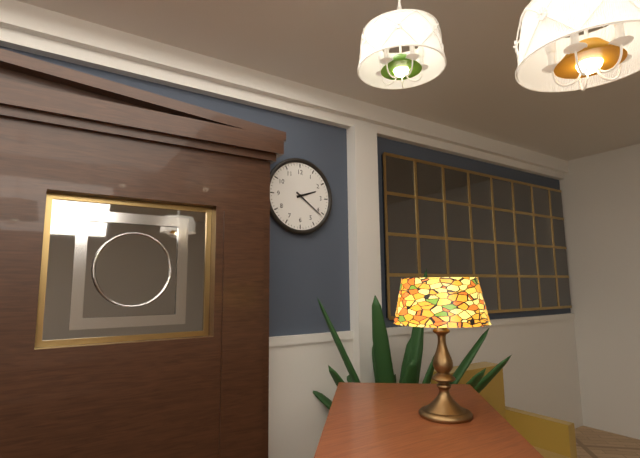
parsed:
2,21
